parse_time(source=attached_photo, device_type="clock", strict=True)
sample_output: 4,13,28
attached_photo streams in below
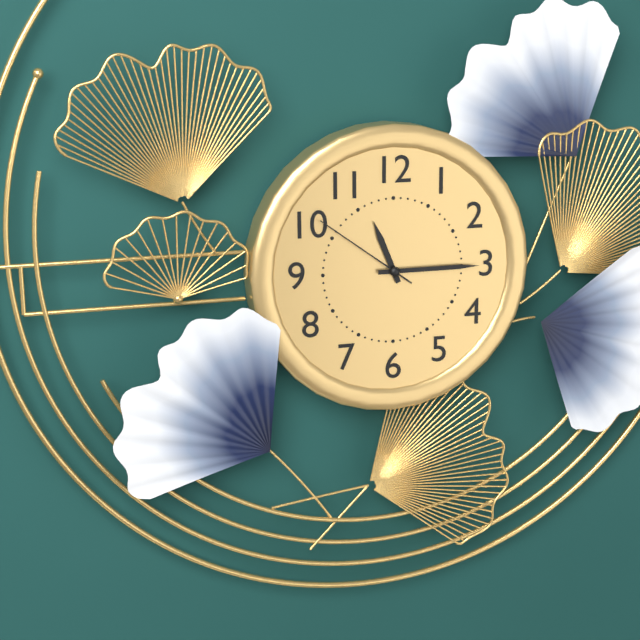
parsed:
11,15,51
